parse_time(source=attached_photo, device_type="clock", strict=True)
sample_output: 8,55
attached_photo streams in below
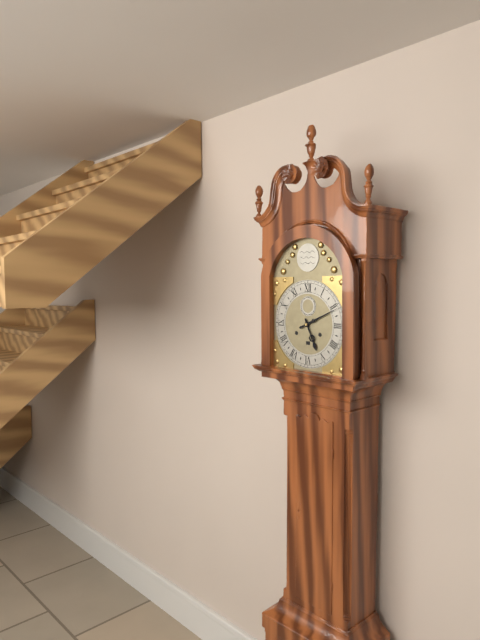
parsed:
5,11
